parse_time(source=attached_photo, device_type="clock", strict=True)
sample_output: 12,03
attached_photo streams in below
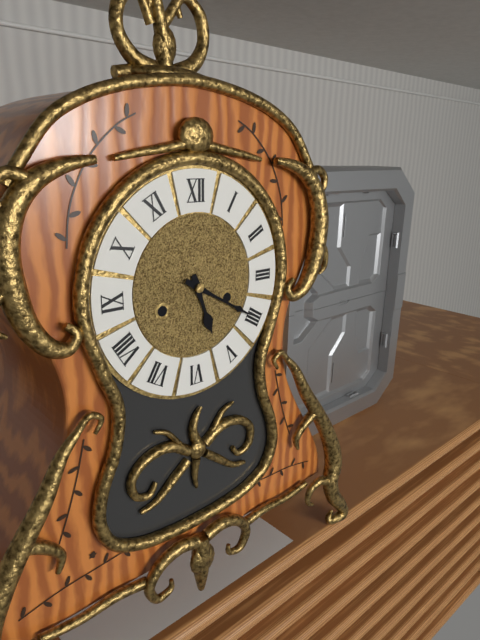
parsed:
5,20
